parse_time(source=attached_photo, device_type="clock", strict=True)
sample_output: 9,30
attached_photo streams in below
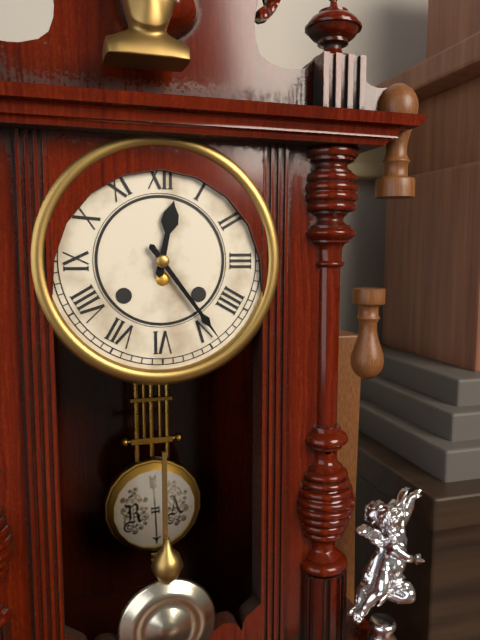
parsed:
12,24
